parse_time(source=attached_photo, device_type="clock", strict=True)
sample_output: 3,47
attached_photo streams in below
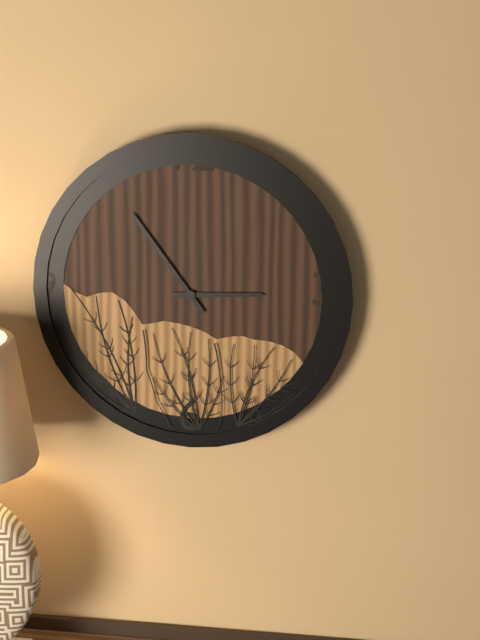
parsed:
2,54
